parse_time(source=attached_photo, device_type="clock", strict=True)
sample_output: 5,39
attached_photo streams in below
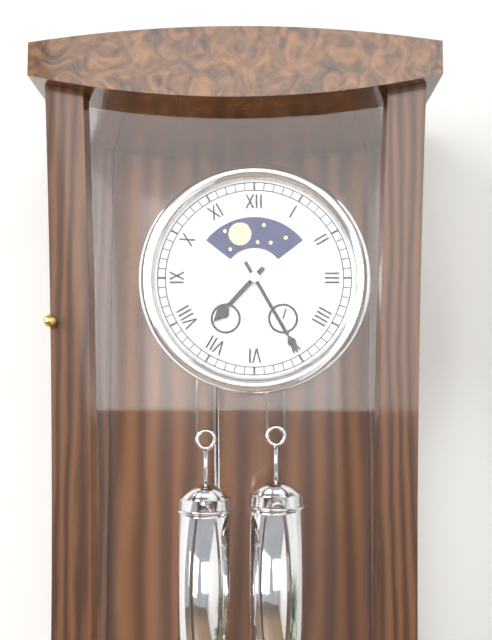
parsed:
7,25
